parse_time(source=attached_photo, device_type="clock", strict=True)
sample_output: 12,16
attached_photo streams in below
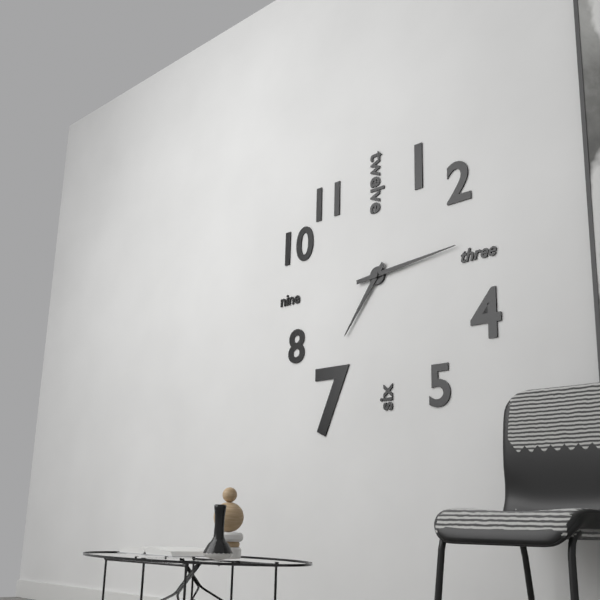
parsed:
7,14
